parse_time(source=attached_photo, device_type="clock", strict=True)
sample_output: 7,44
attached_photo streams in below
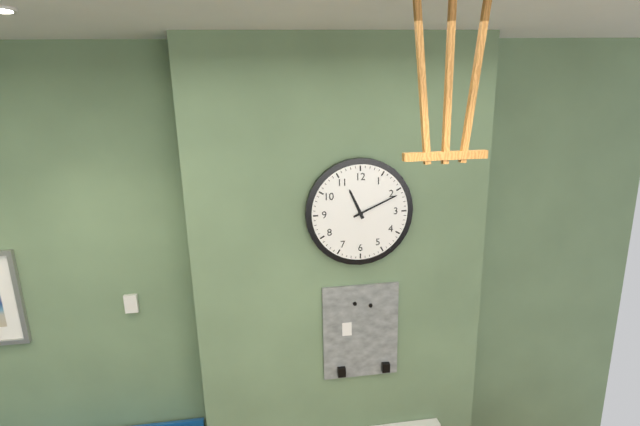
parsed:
11,11
